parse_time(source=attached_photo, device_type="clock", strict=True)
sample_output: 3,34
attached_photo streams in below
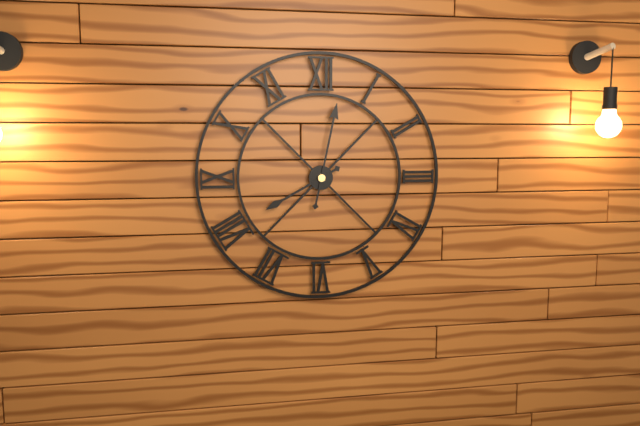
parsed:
8,02
